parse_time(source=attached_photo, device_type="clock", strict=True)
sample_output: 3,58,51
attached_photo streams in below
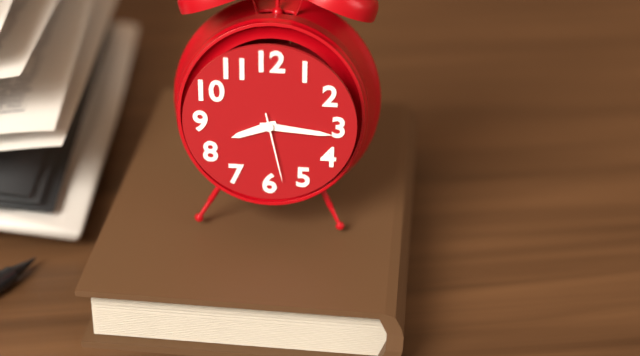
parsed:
8,16,28
